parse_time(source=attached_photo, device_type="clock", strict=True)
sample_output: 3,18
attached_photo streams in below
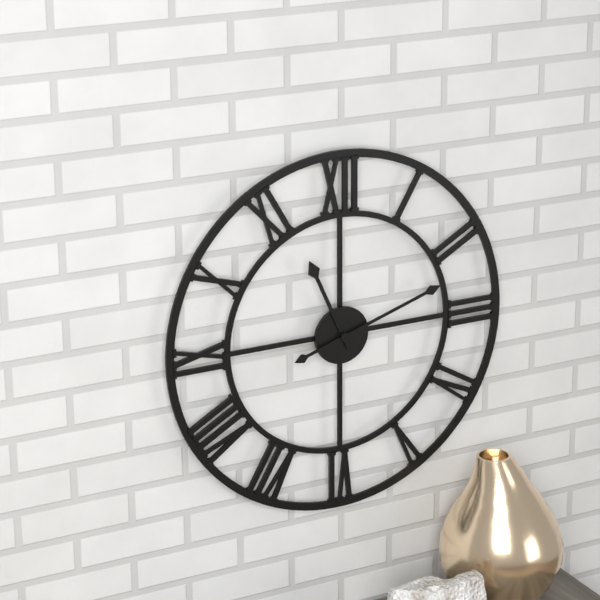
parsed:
11,12
